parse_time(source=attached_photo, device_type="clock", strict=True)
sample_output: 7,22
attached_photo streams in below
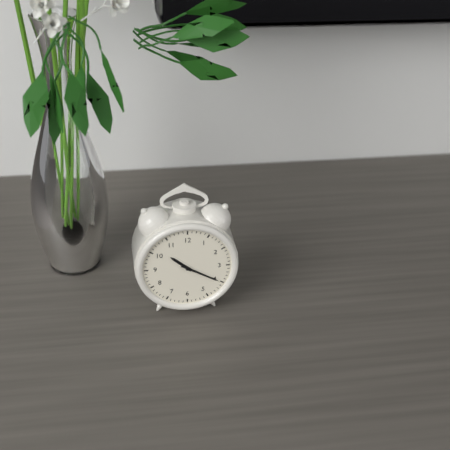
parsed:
10,20
